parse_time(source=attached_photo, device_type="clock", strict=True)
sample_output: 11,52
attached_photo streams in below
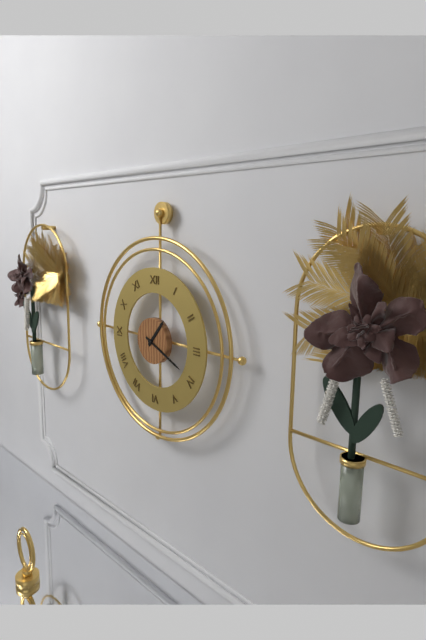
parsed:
1,19
